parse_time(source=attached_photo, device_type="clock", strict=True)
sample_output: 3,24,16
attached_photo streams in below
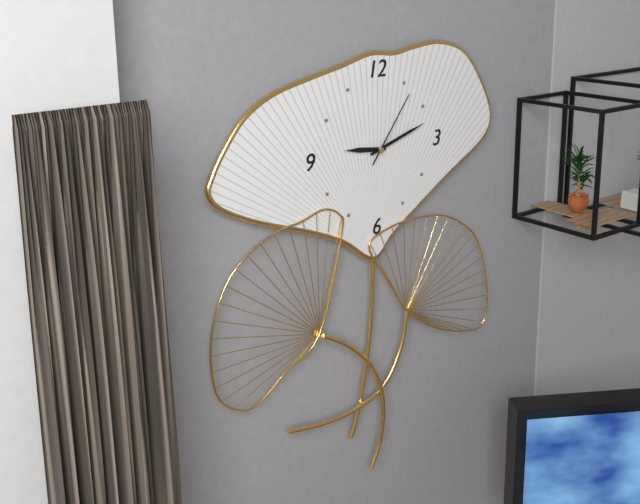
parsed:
9,12,06
